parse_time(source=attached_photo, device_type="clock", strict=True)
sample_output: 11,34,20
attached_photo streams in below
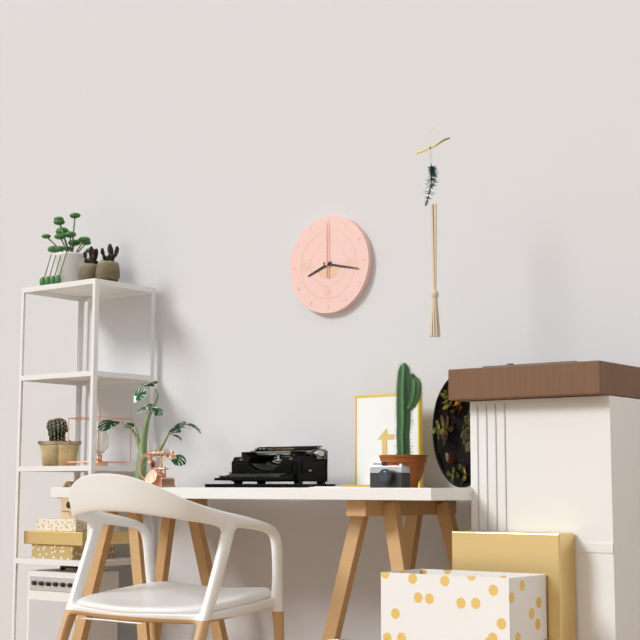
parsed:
8,17,00
